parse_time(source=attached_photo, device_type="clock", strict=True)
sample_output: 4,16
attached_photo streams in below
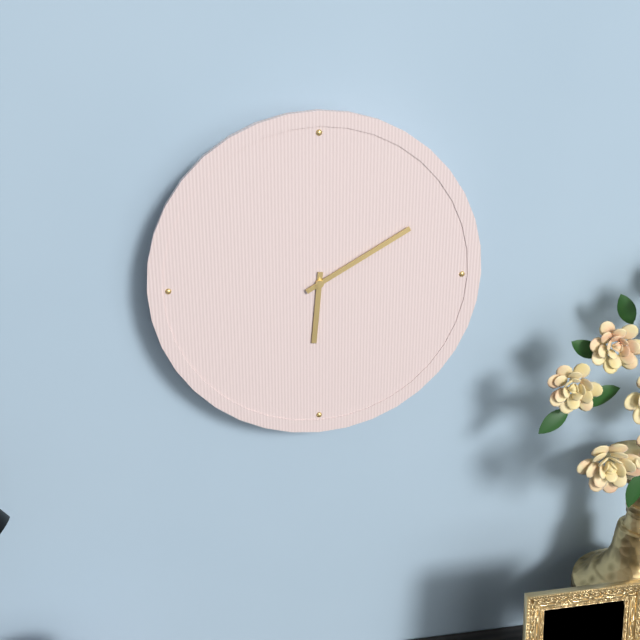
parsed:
6,10
